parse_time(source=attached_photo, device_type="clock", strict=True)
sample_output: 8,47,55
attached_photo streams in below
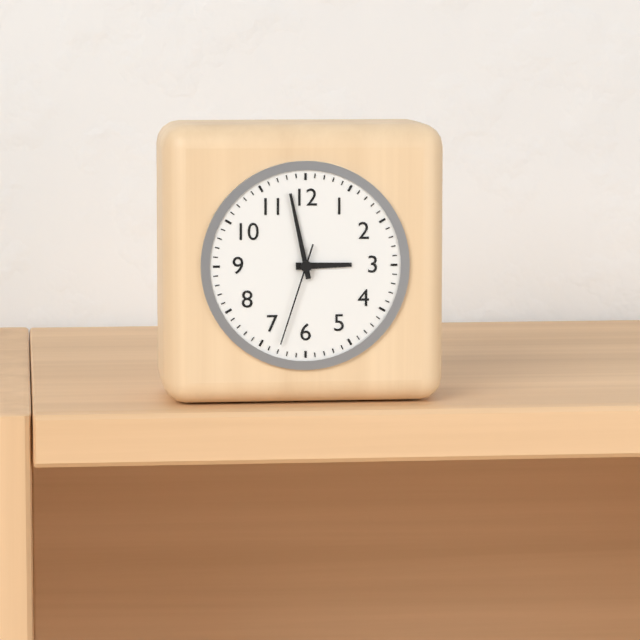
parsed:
2,58,33
